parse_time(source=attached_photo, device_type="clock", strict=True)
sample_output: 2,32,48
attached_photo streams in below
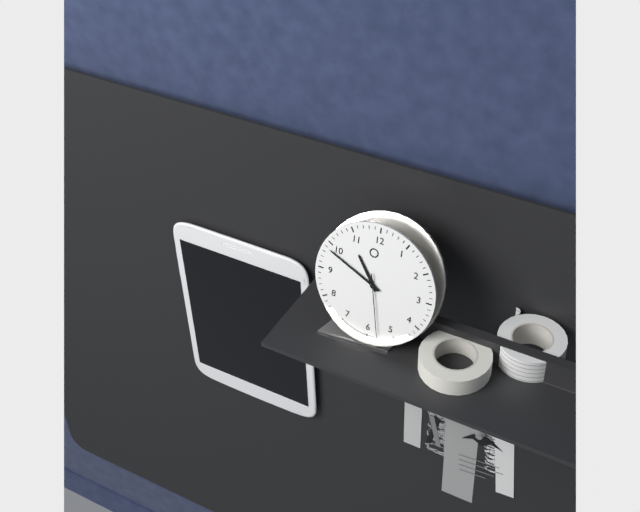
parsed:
10,49,28
